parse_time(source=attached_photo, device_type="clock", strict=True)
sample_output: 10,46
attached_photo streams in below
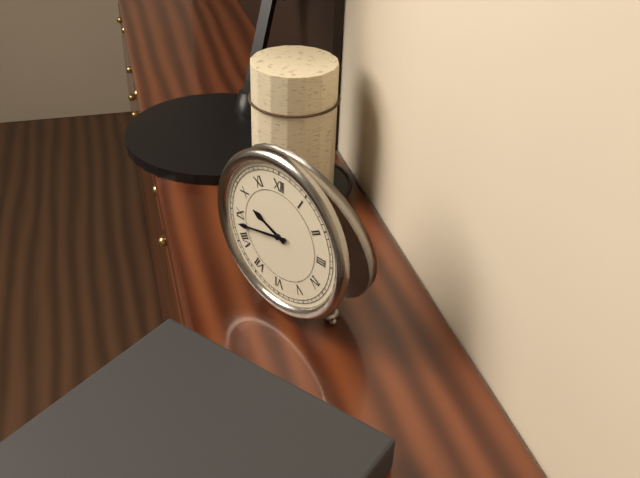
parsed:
9,43
